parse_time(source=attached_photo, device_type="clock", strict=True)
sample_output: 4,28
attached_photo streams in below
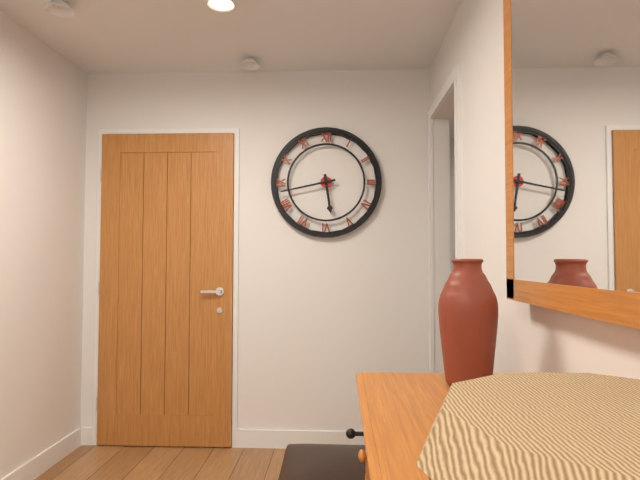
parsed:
5,43
